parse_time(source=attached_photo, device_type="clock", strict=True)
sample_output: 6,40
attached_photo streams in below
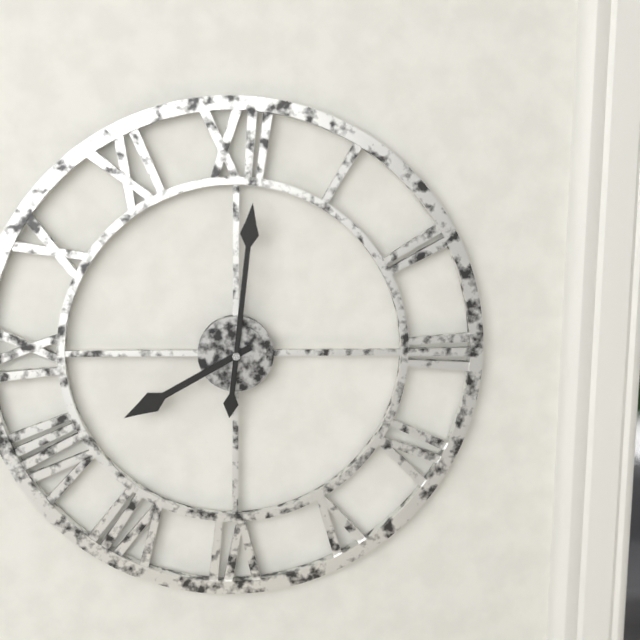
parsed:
8,01
